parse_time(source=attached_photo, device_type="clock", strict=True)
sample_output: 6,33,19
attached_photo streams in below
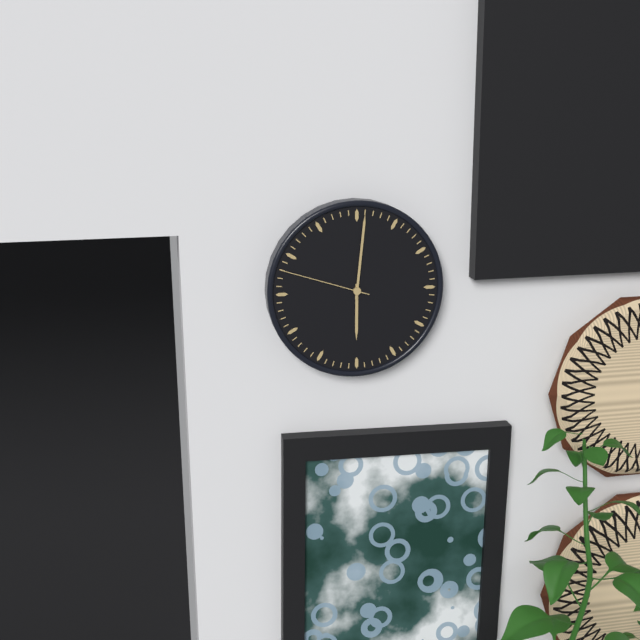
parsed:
6,01,48
